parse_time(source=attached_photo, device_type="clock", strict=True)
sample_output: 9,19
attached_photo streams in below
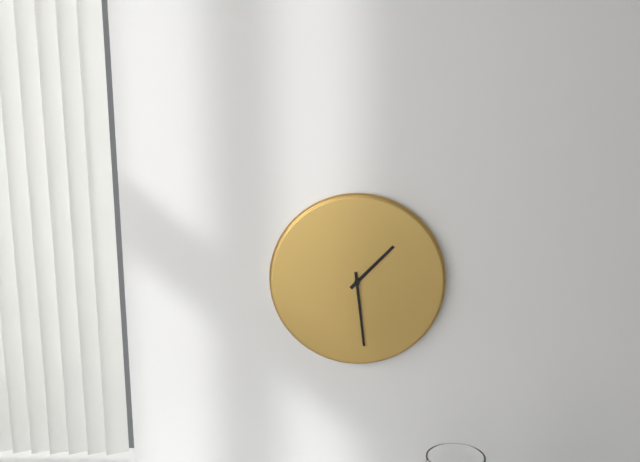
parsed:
1,29
